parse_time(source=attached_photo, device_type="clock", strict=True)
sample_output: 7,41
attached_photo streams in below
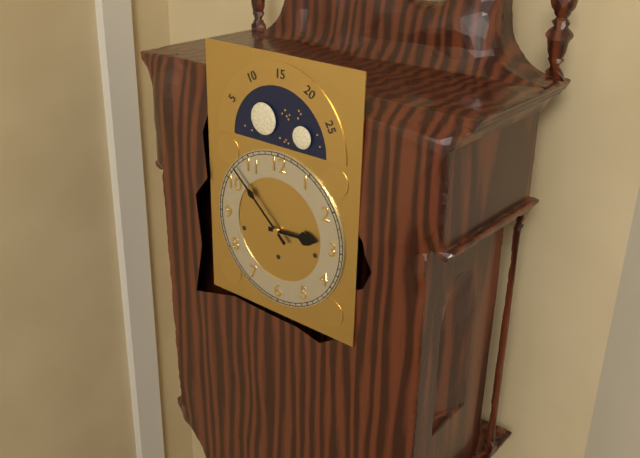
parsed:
2,52
